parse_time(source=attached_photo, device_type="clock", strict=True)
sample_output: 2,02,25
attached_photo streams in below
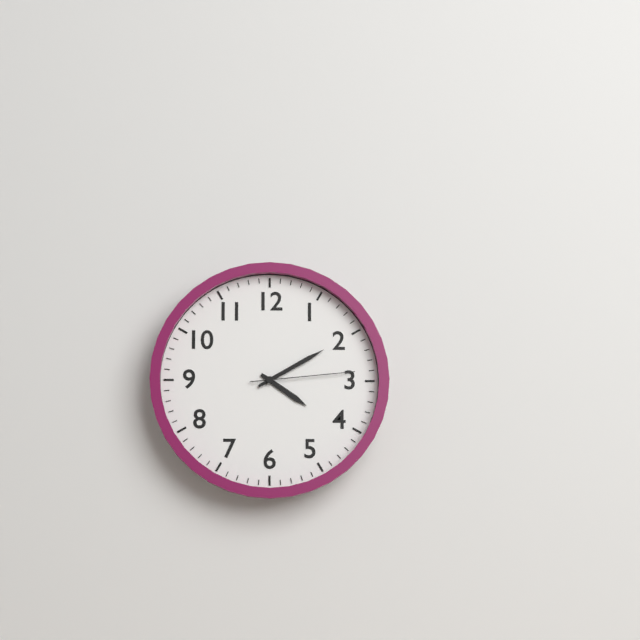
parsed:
4,10,14
